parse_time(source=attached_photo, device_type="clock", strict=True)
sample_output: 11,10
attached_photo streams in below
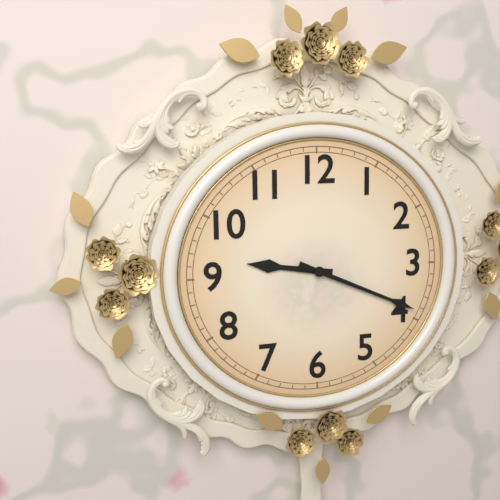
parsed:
9,19
